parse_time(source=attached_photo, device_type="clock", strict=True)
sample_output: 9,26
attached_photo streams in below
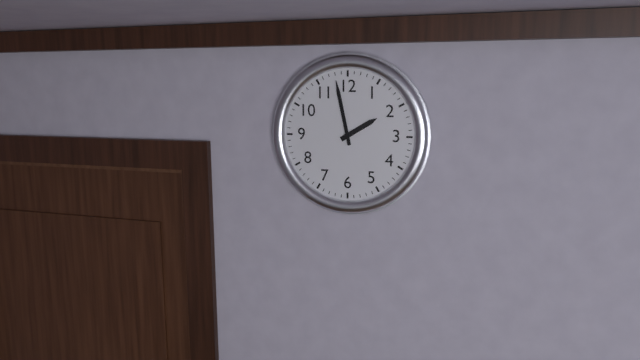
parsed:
1,58
